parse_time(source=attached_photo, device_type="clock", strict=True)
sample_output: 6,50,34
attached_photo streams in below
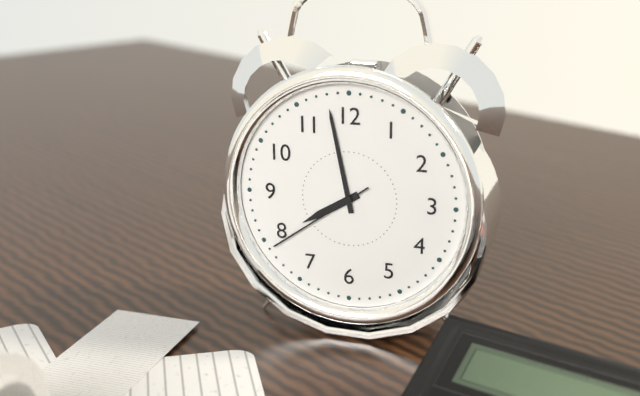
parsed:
7,58,39
